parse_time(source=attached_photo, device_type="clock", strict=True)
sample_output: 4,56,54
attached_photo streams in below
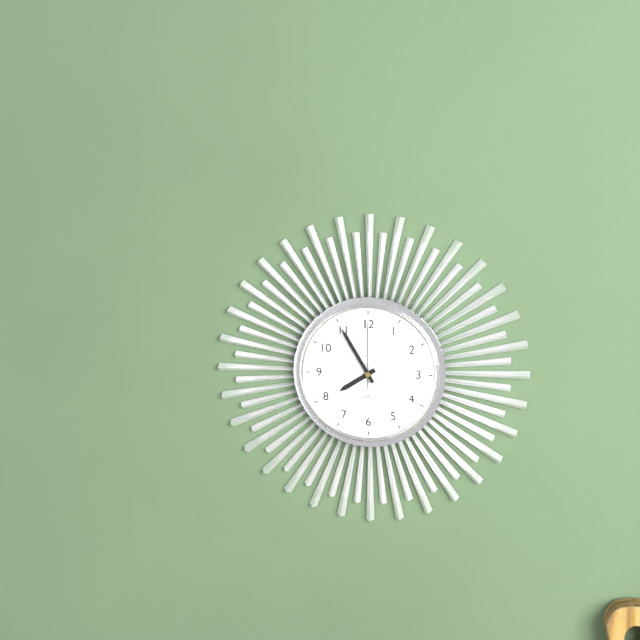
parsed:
7,55,00
